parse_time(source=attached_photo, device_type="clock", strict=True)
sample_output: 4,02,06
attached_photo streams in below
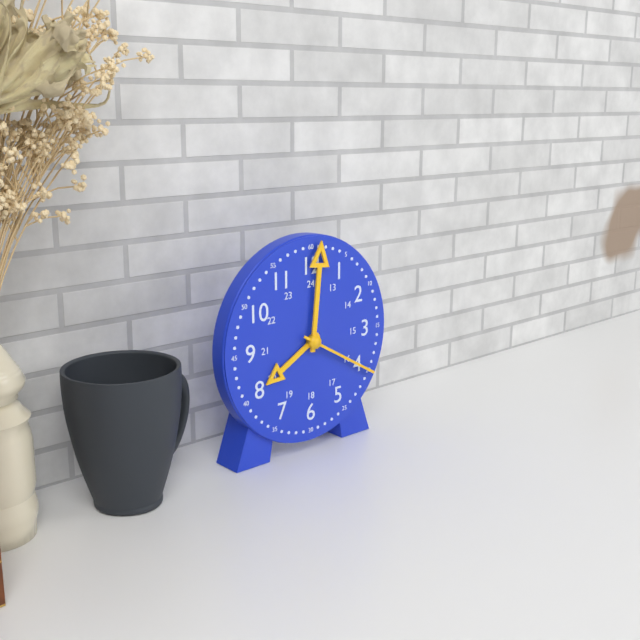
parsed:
8,01,20
